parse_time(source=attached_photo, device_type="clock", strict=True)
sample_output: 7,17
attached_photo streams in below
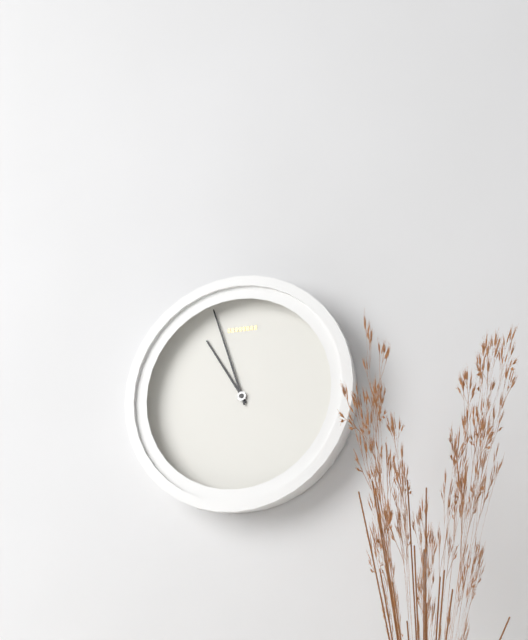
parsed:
10,57
